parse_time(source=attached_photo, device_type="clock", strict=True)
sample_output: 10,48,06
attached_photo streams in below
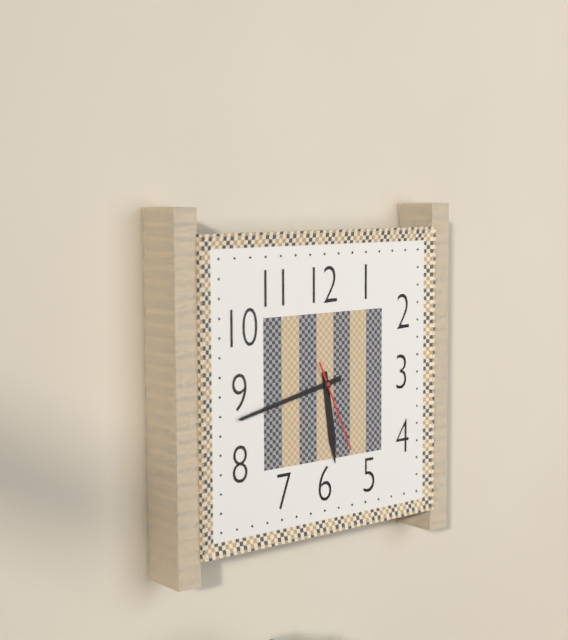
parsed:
5,43,26
